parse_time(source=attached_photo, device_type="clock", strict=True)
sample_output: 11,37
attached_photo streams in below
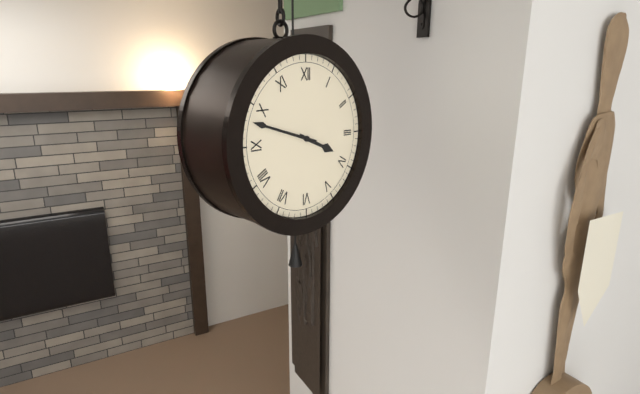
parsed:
3,48
